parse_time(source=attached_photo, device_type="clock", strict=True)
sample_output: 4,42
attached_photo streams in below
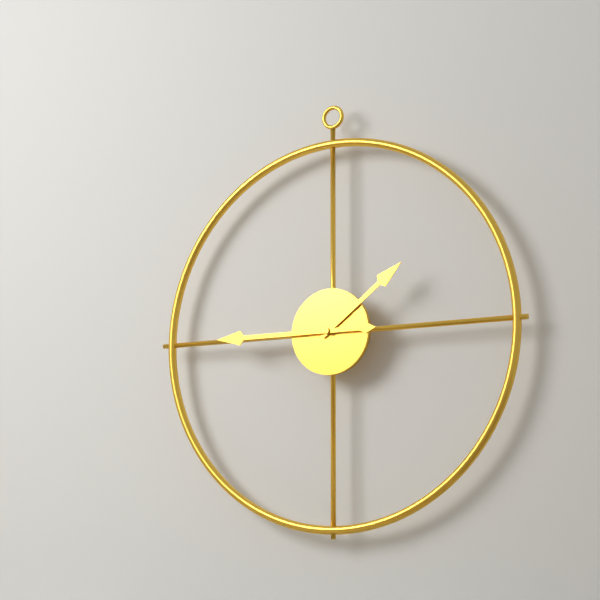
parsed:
1,45
